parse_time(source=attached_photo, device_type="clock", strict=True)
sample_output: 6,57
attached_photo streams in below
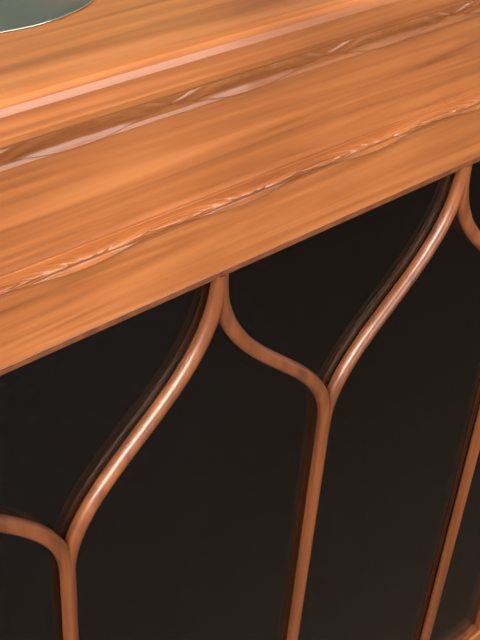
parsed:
10,11
